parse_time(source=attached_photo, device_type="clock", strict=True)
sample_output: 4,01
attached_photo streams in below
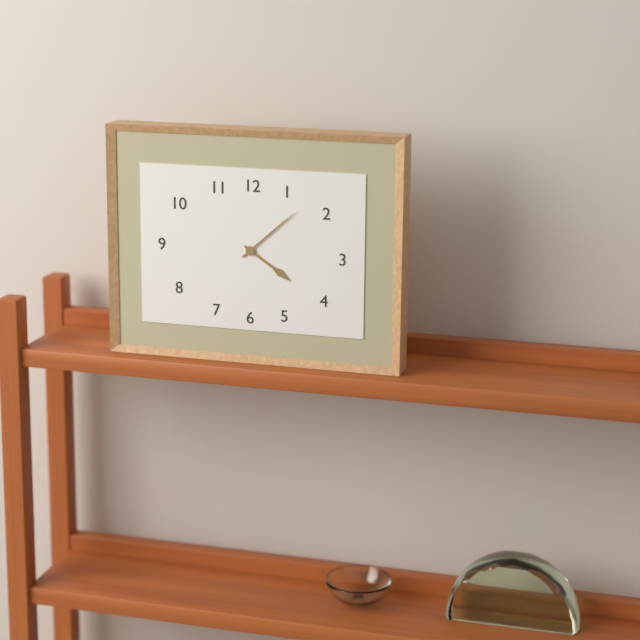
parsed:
4,08
